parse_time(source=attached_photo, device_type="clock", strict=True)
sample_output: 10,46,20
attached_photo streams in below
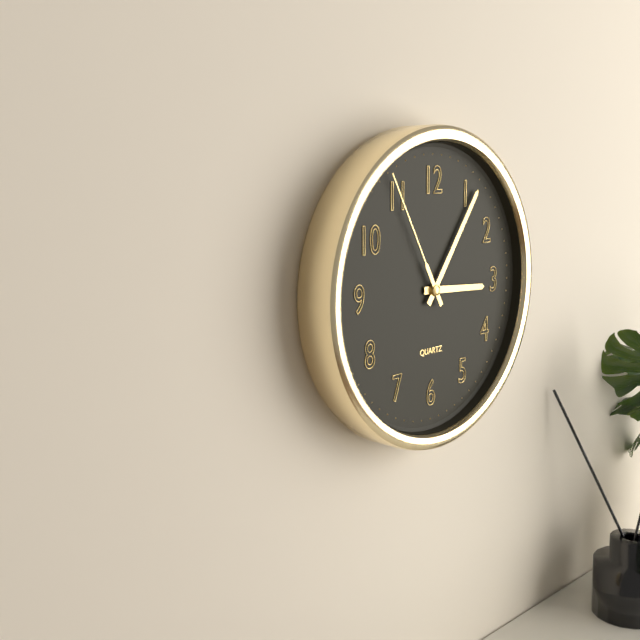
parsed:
3,06,55
